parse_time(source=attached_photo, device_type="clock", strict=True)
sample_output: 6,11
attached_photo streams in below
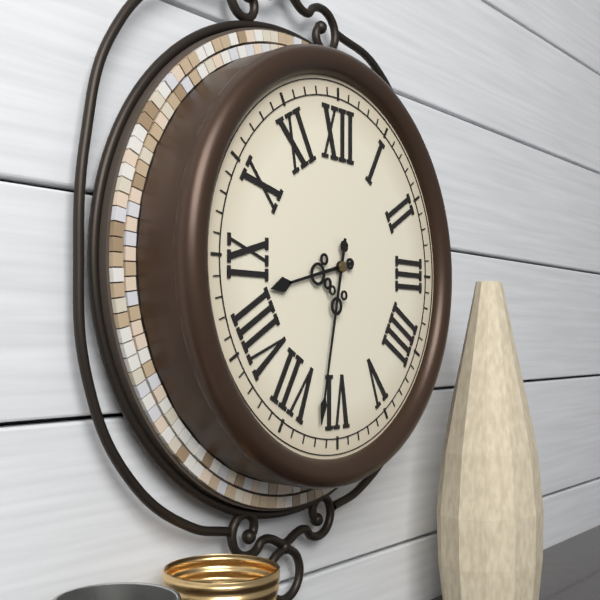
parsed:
8,32
